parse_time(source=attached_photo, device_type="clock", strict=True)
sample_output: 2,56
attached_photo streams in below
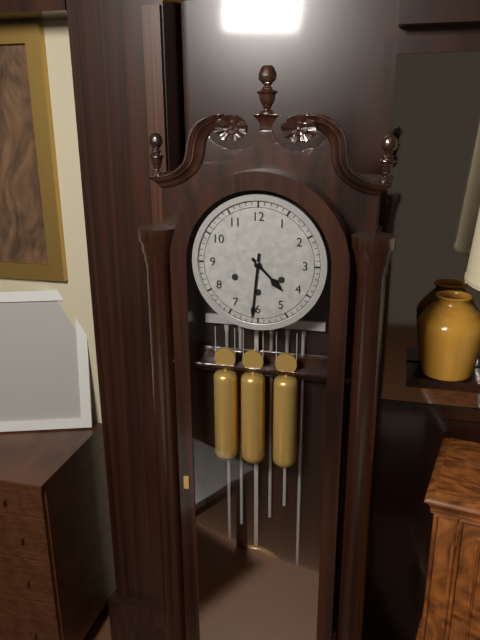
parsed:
4,31
